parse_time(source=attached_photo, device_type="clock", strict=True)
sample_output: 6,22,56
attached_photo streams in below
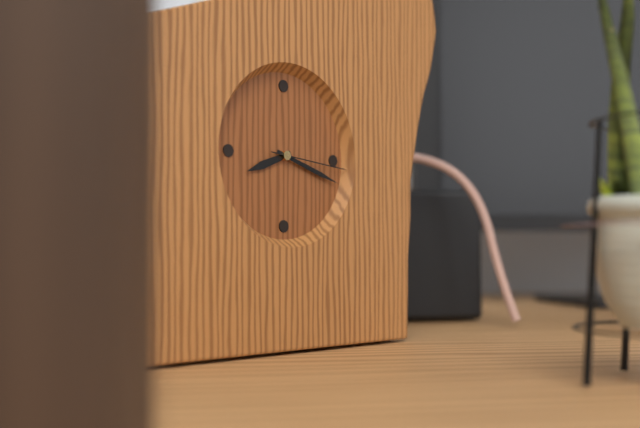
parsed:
8,18,16
